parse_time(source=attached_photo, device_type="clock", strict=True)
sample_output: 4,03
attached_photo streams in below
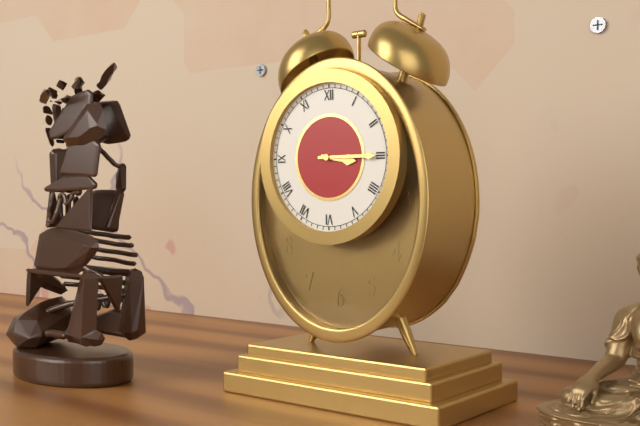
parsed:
3,15
